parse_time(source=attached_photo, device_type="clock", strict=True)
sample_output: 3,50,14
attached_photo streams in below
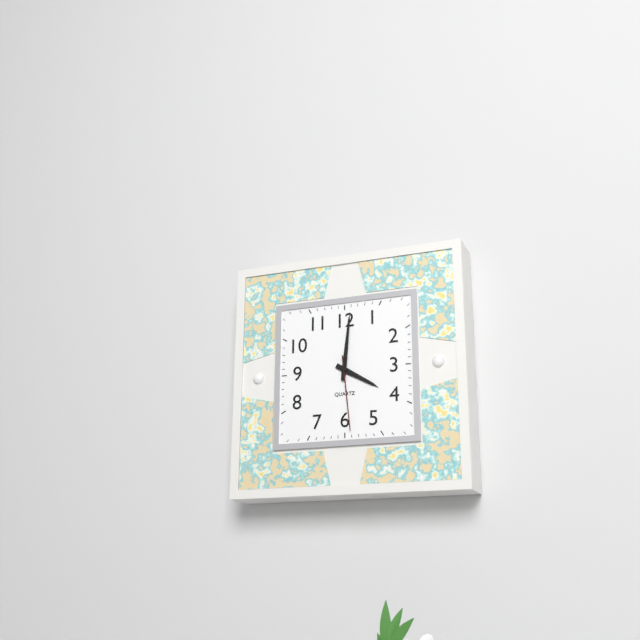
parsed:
4,01,29
